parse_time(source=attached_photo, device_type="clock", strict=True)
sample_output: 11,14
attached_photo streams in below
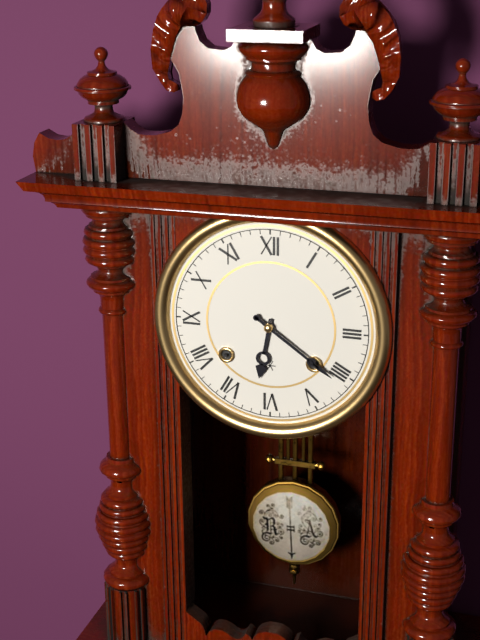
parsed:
6,21
